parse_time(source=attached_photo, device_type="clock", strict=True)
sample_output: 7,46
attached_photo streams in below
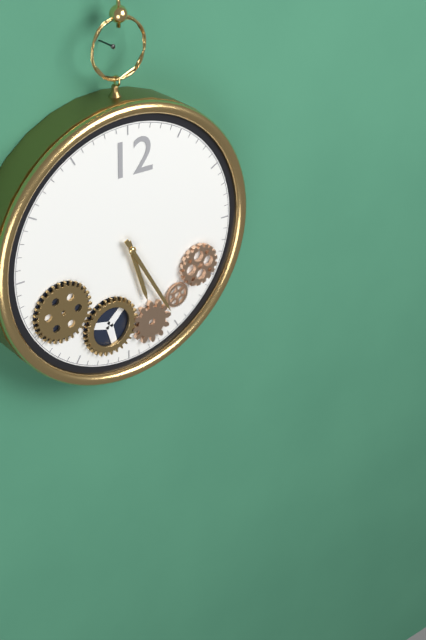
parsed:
5,25
